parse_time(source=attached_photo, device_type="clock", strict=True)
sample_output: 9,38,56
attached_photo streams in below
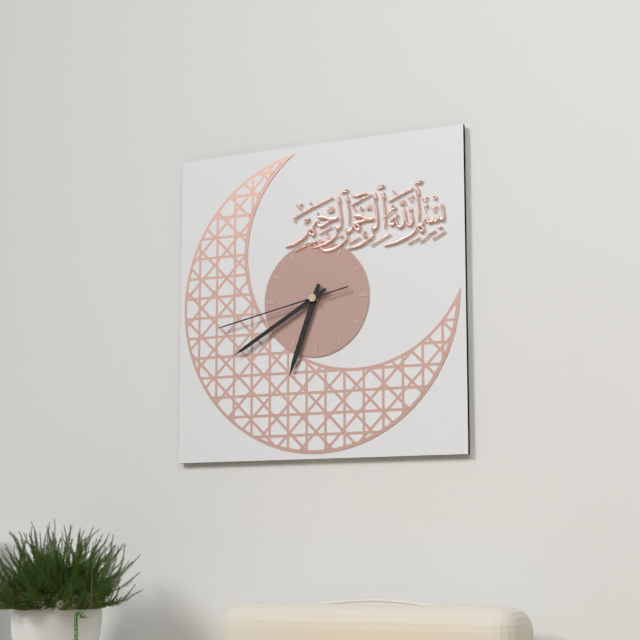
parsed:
6,40,43
